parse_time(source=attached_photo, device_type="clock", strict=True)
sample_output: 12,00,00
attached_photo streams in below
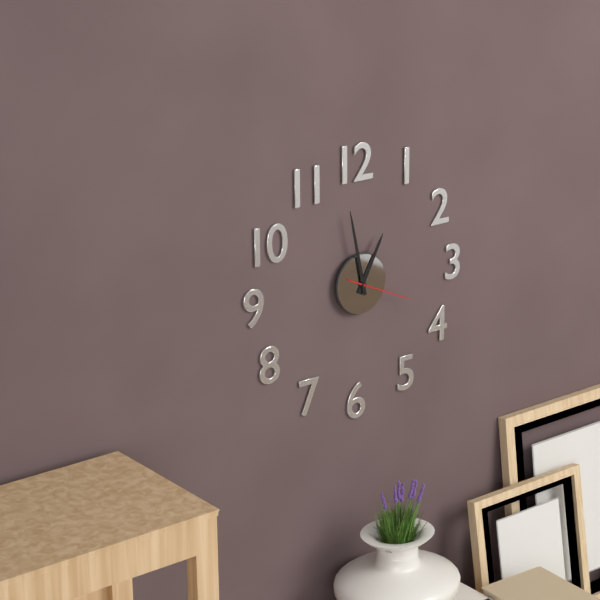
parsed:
12,58,19
